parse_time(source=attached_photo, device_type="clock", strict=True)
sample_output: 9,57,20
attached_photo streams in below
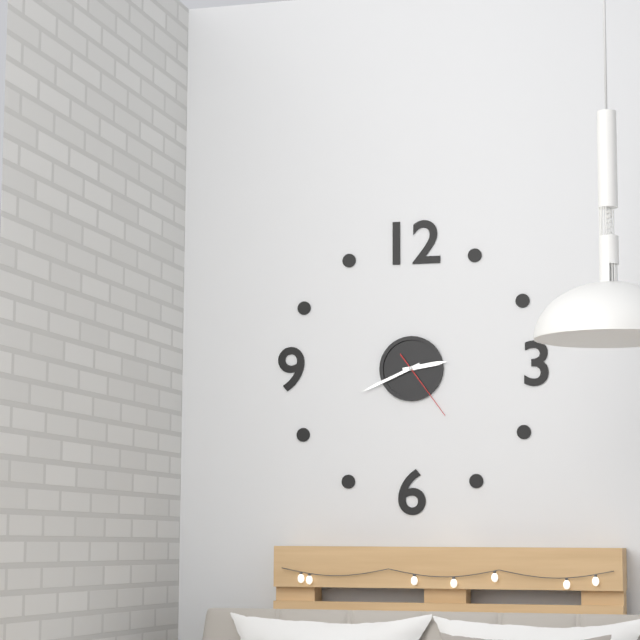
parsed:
2,41,24
